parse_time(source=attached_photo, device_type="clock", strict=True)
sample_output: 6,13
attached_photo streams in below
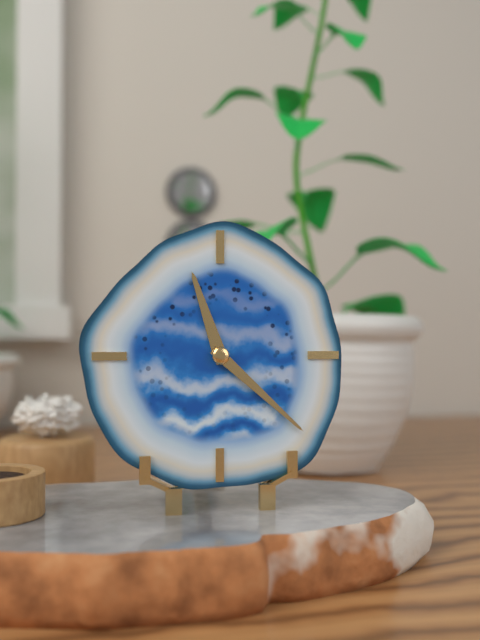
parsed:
11,22
